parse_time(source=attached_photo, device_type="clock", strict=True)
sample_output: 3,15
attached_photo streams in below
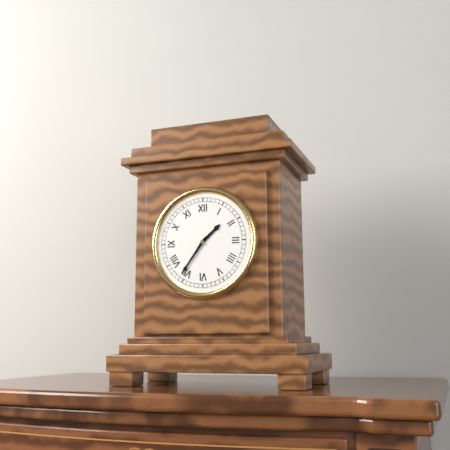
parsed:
1,36
